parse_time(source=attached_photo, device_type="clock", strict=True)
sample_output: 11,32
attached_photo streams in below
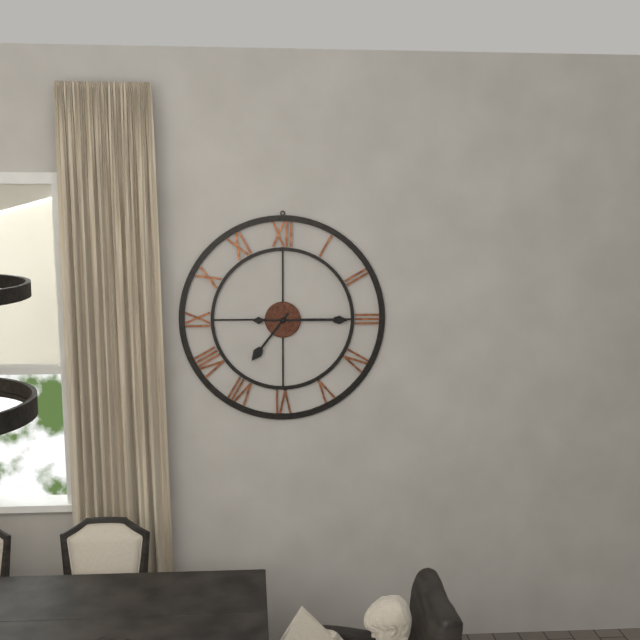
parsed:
7,15
